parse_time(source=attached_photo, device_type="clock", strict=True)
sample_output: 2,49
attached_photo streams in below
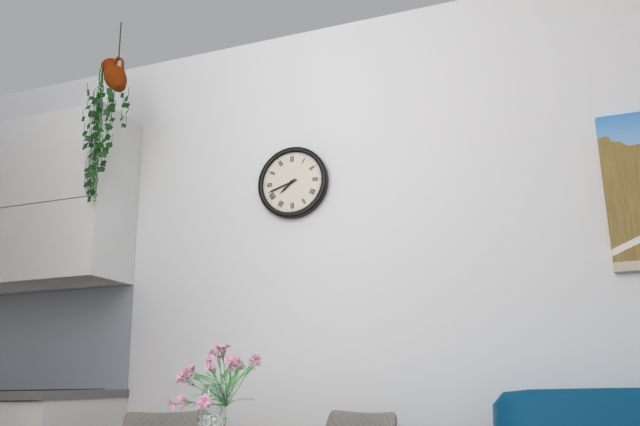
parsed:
7,42
